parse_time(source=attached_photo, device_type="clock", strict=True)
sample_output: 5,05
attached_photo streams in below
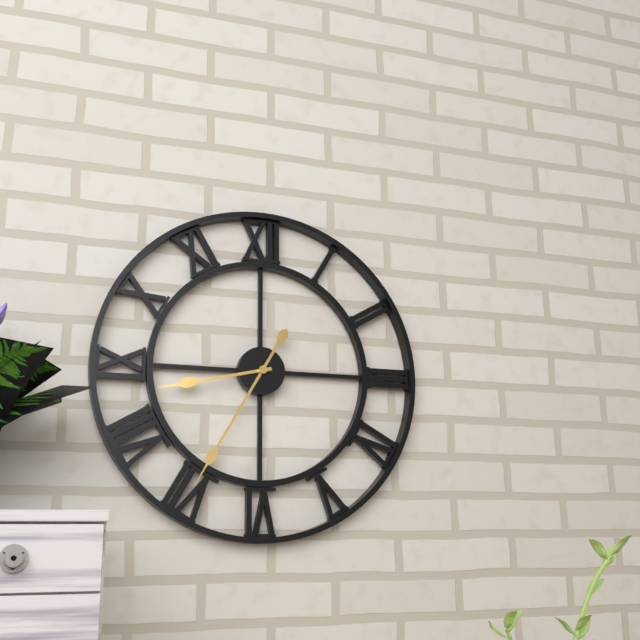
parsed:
8,35
